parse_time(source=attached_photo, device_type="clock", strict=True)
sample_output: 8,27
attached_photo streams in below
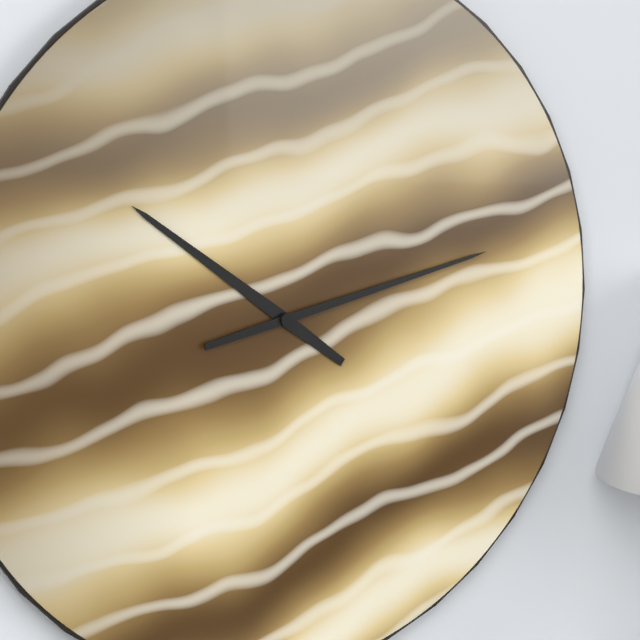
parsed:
10,13
